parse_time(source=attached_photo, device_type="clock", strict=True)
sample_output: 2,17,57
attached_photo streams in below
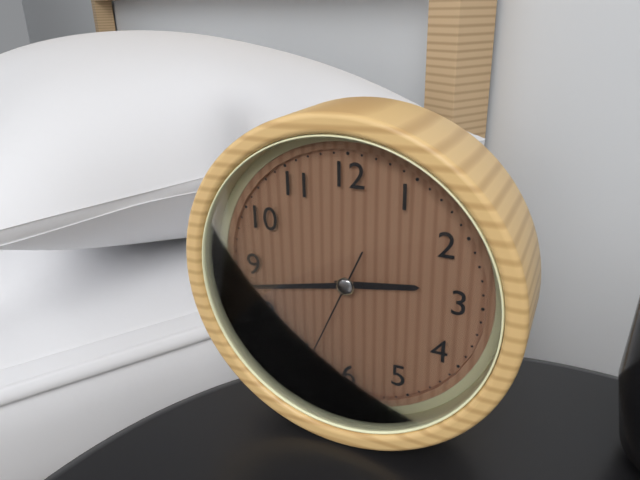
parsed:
2,43,34
